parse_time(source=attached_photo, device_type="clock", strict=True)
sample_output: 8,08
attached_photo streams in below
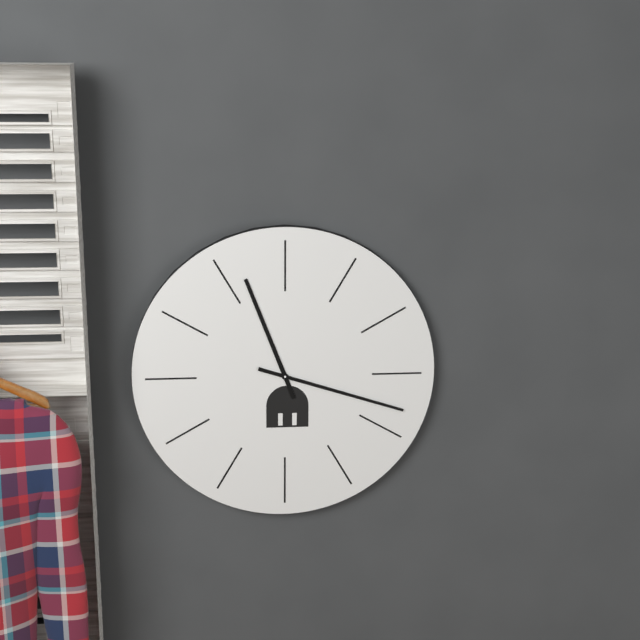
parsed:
11,18
